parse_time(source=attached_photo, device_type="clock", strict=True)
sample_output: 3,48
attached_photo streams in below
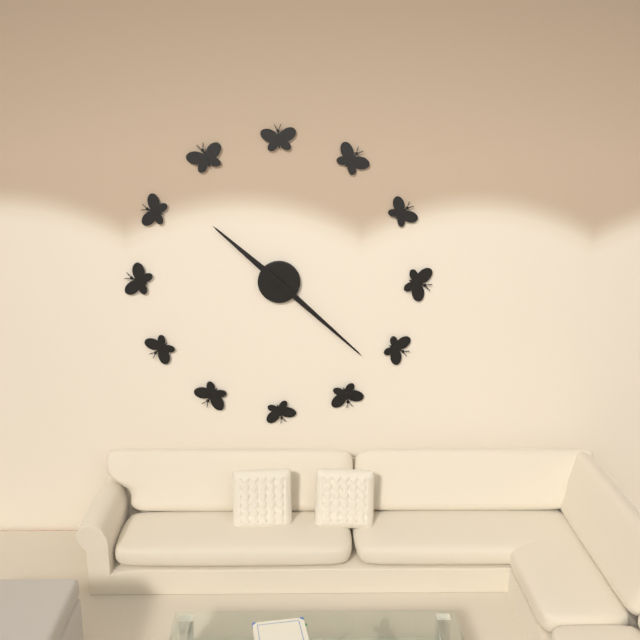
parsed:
10,22
